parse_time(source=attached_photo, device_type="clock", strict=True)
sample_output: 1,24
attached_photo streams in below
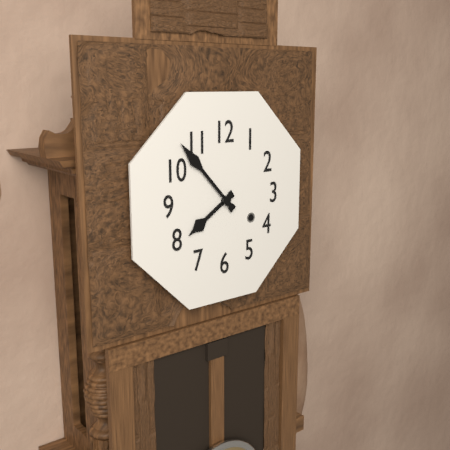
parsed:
7,53
